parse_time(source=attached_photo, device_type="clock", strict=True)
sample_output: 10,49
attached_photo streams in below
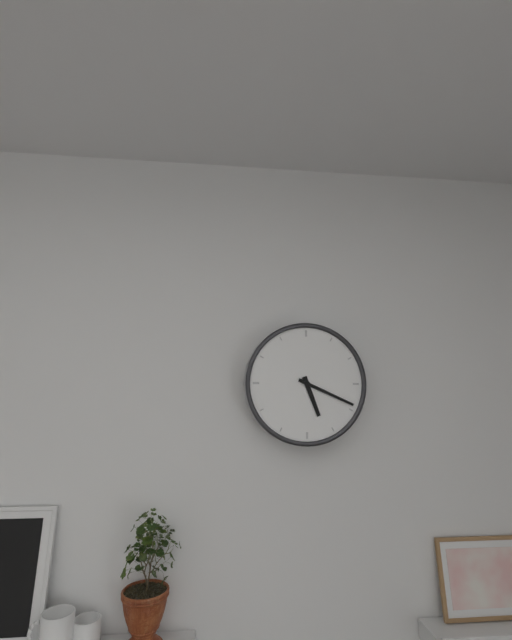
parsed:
5,19
